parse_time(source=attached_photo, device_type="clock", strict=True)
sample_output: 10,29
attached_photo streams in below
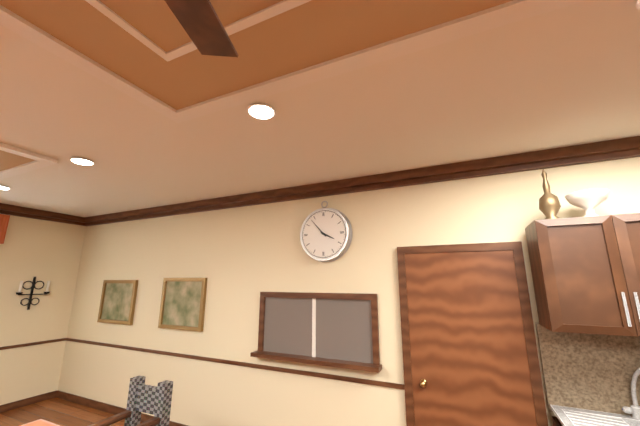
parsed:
3,53
